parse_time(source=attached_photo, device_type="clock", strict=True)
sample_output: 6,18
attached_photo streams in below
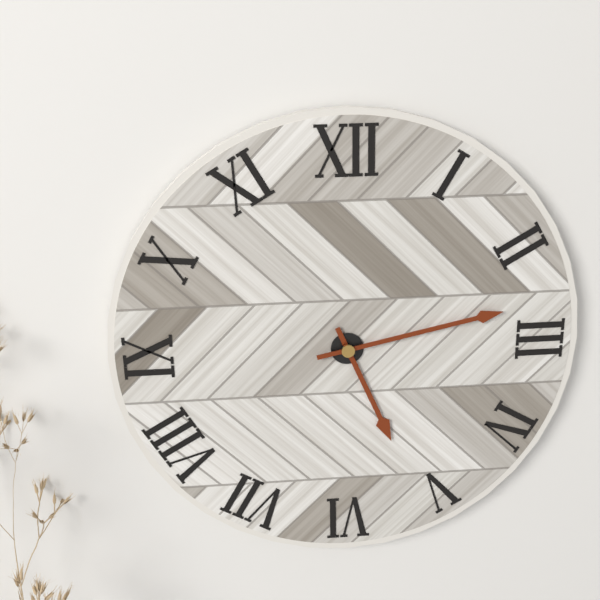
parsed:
5,13
